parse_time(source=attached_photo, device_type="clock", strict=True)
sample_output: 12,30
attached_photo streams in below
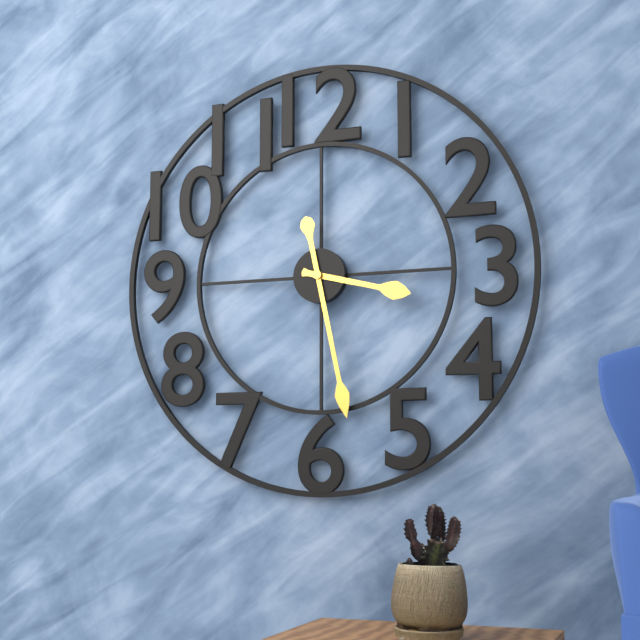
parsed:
3,28
